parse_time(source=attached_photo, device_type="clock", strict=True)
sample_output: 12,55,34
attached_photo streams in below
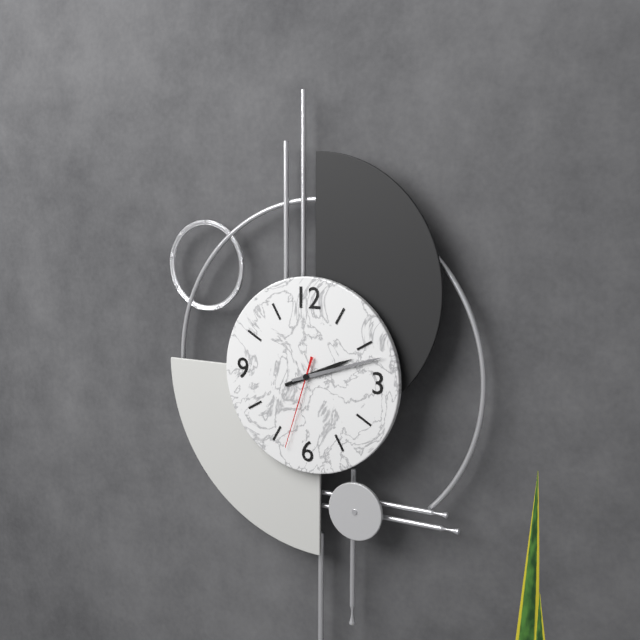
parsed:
2,12,33
